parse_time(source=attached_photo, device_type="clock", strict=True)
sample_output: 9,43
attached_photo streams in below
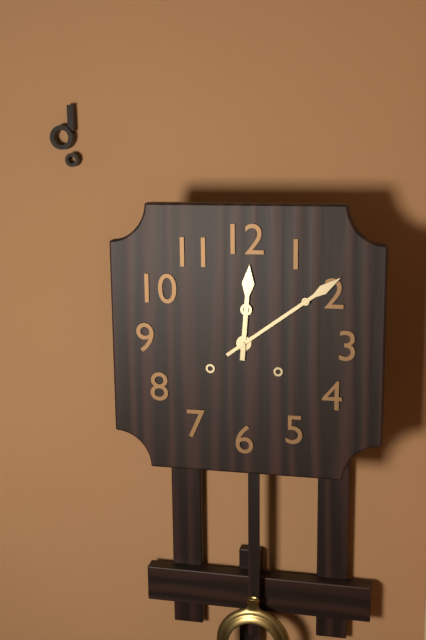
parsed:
12,09
